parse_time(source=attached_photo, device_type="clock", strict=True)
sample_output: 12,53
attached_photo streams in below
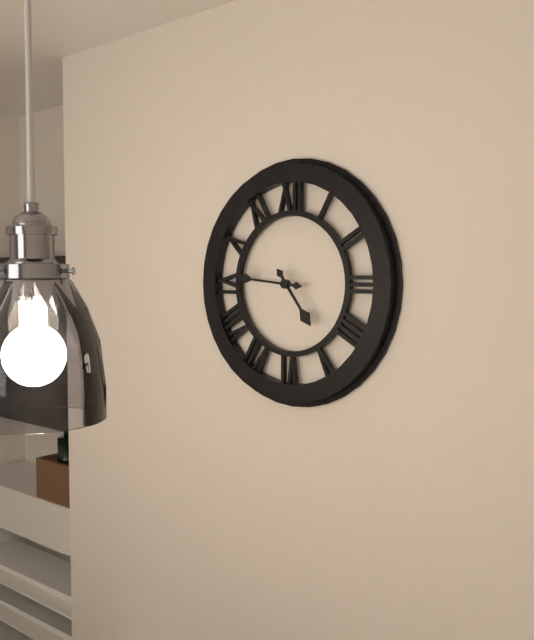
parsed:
4,46
